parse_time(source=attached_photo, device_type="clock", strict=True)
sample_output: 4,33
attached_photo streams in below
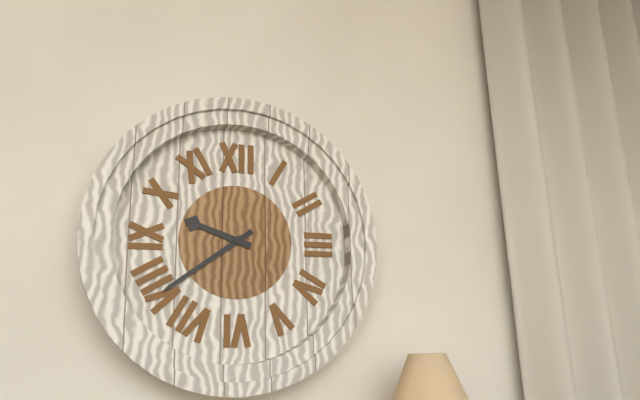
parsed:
9,39
